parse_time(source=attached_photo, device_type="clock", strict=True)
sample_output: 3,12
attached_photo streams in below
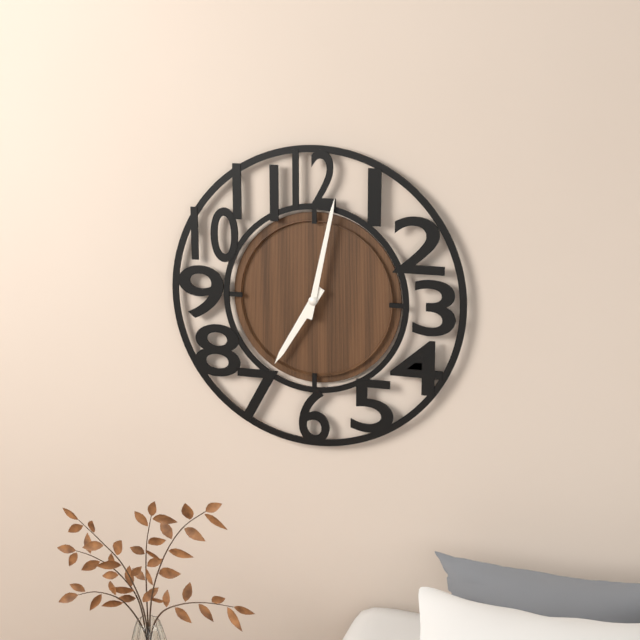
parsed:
7,02
